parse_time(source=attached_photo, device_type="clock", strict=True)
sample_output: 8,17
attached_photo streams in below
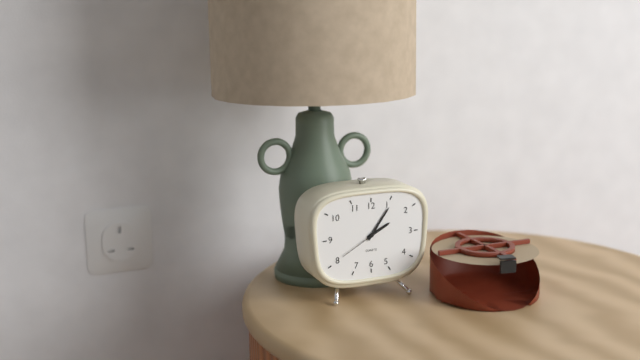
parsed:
2,06
